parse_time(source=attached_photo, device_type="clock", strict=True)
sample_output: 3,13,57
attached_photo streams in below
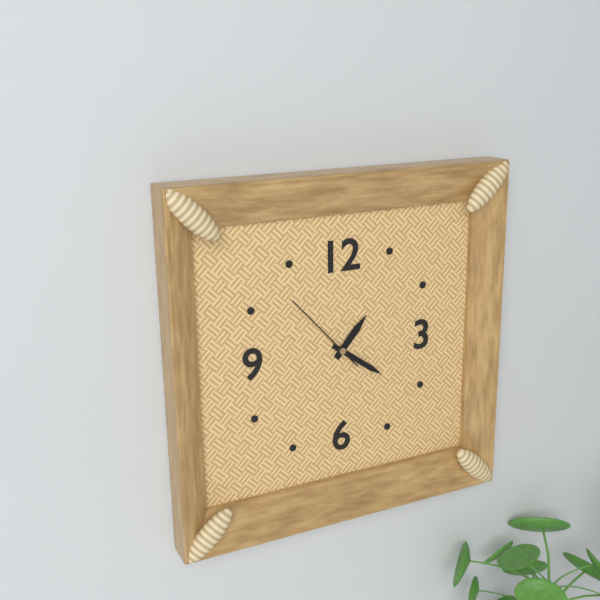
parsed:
1,21,53
